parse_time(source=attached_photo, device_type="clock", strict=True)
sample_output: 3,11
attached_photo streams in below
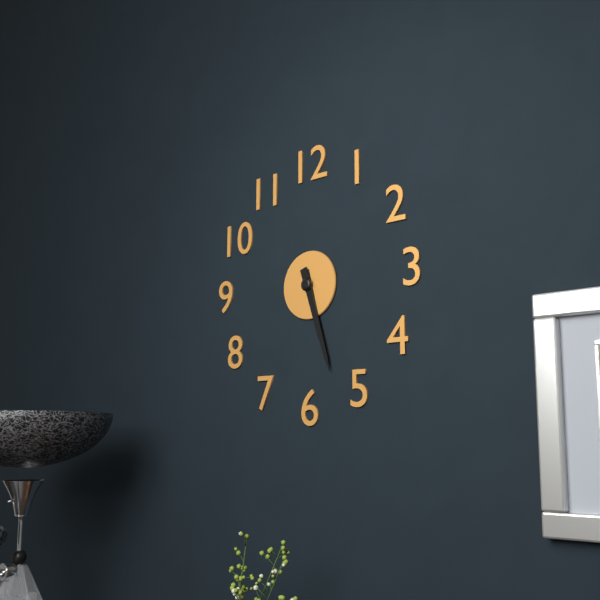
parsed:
5,27
